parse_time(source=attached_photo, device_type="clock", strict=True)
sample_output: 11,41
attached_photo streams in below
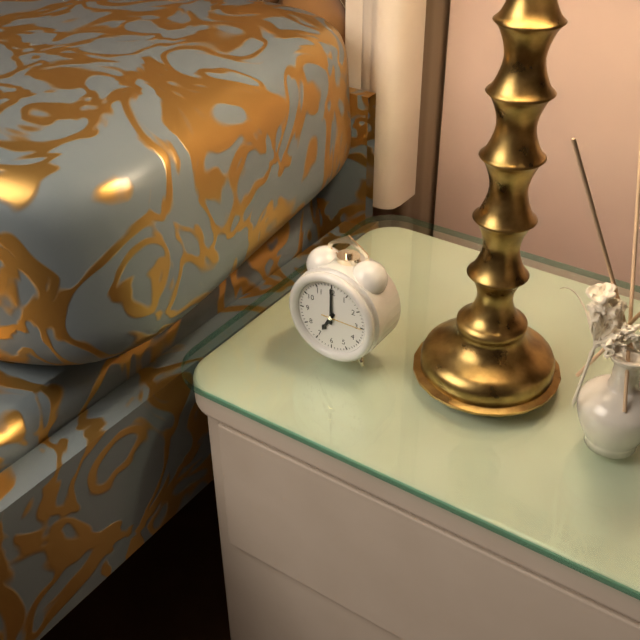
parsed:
7,00
